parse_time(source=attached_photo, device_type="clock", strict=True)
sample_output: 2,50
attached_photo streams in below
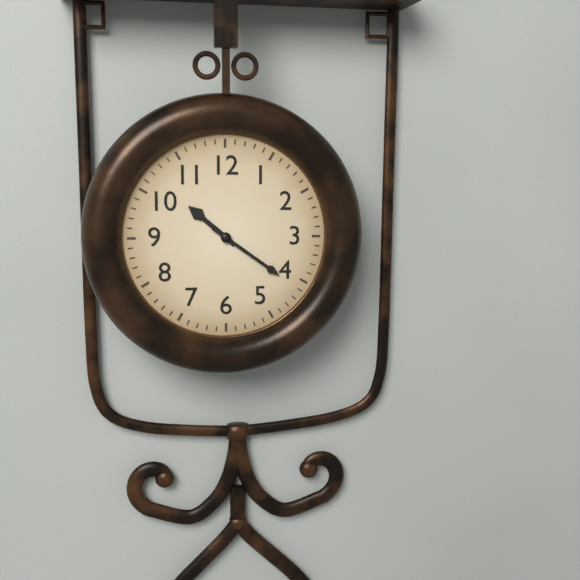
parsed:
10,21
